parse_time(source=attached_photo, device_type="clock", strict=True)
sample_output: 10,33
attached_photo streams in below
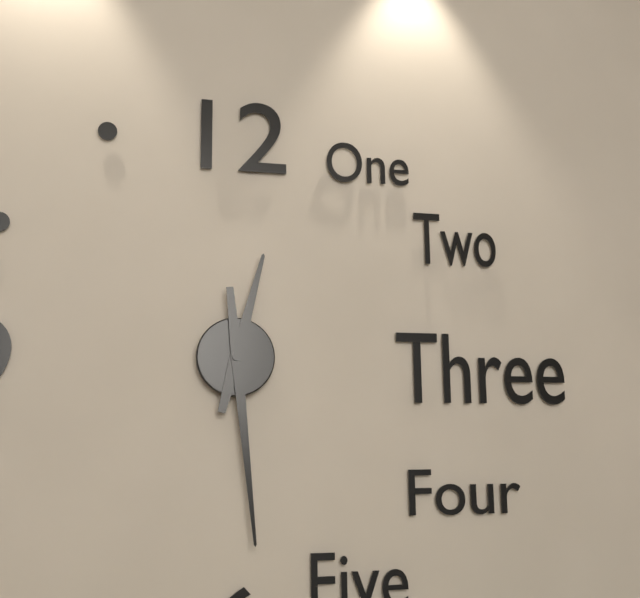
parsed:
12,29
